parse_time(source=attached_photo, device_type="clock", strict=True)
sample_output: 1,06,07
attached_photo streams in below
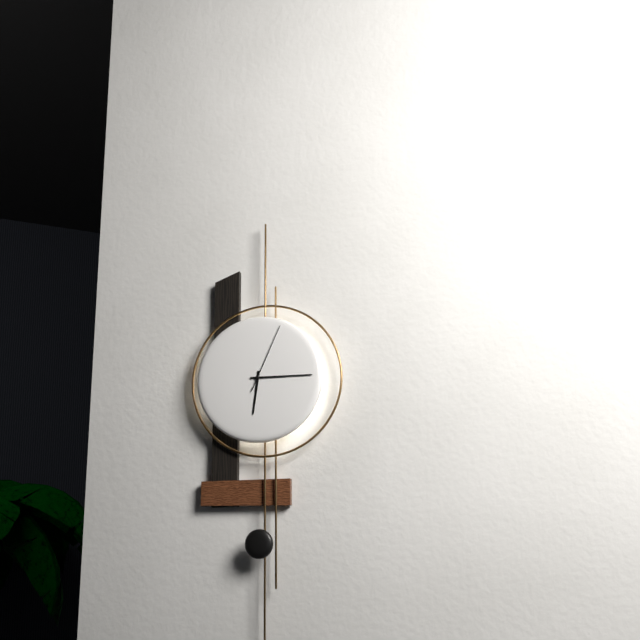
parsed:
6,15,04
